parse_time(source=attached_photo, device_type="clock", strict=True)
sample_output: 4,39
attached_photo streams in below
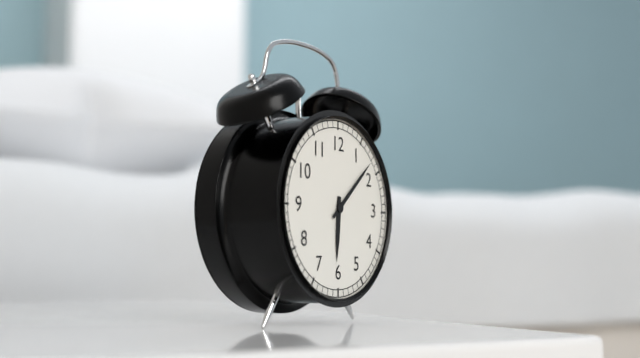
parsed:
6,08
